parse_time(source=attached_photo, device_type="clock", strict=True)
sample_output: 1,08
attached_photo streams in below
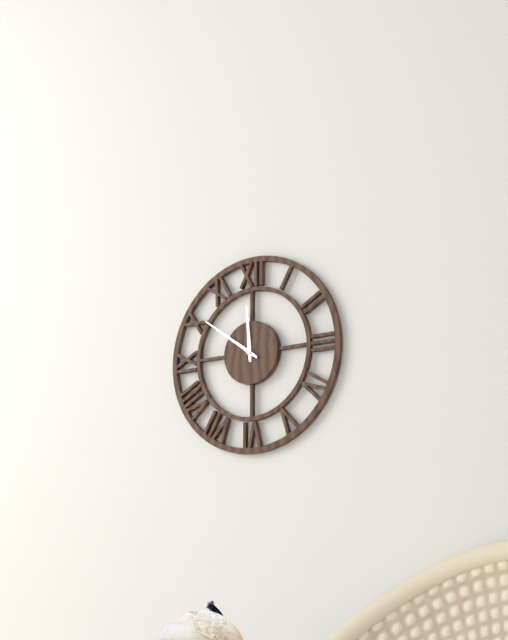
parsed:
11,51
